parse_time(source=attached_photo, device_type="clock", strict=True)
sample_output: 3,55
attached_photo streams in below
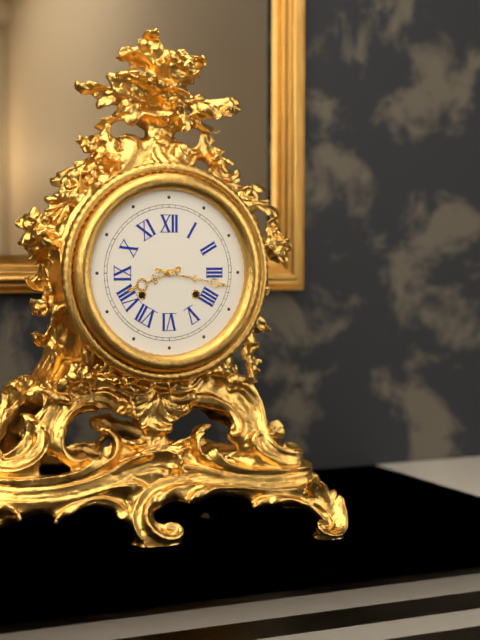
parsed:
8,17
